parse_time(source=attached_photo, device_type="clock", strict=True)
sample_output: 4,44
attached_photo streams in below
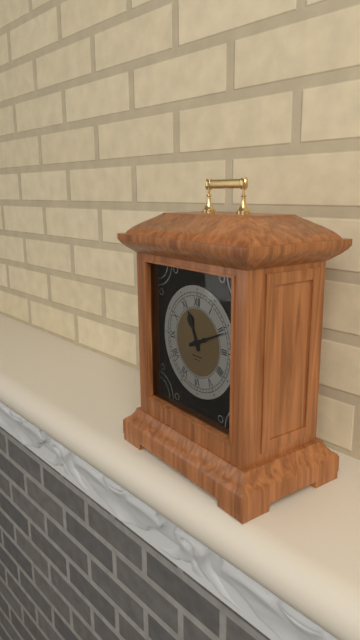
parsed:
11,11
